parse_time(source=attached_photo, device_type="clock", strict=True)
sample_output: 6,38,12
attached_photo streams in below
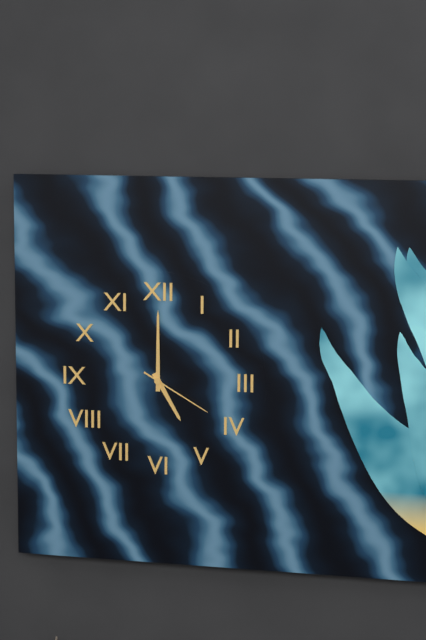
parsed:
5,00,20
